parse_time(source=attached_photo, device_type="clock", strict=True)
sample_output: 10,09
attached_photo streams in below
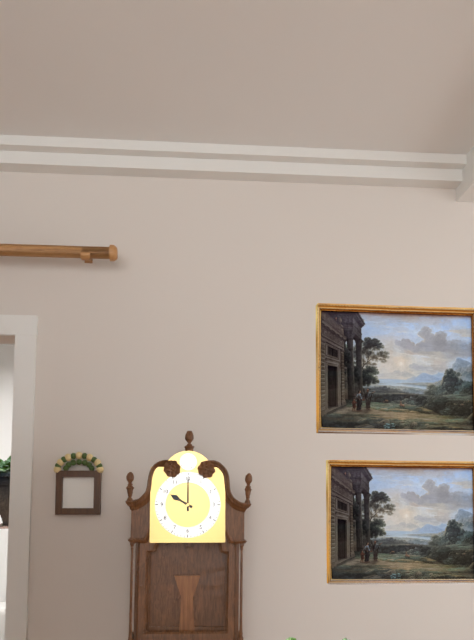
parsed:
10,00
